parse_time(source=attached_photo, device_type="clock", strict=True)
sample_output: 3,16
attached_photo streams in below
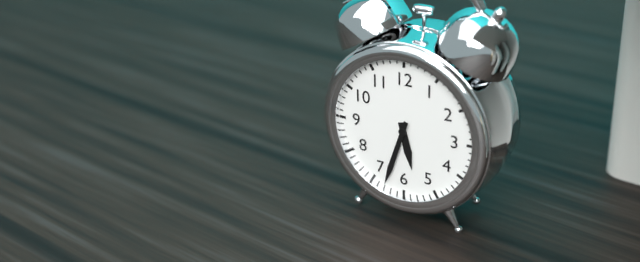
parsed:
5,33
